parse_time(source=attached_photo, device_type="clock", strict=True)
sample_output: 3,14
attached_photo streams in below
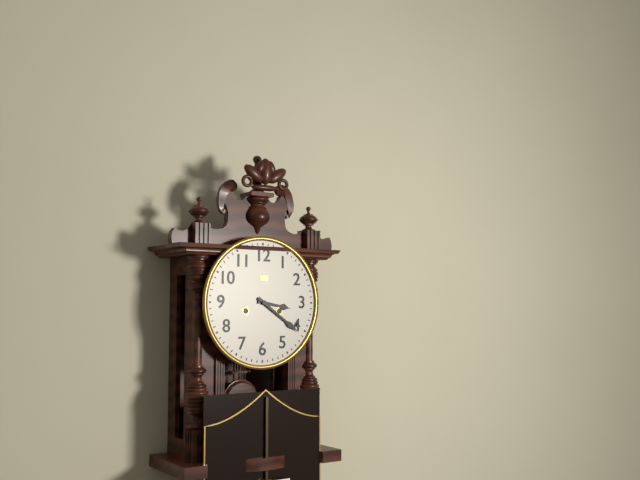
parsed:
3,21
